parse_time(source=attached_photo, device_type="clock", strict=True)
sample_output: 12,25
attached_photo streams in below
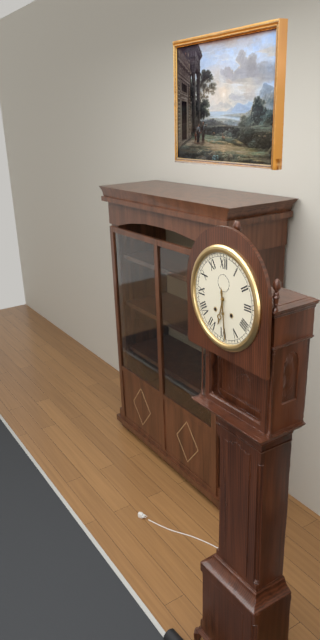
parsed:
6,29
